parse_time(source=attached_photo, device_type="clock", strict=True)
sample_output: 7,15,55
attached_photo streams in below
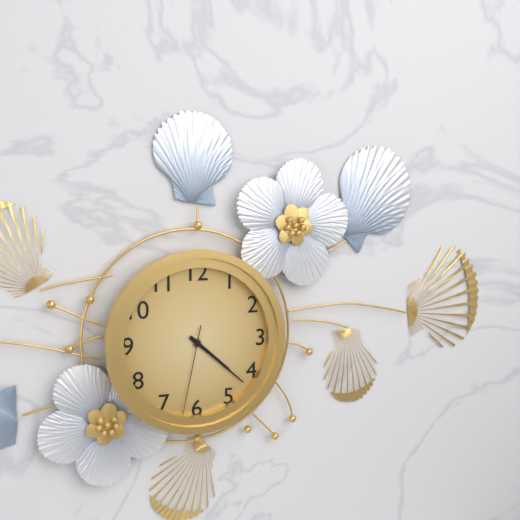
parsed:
4,22,32
